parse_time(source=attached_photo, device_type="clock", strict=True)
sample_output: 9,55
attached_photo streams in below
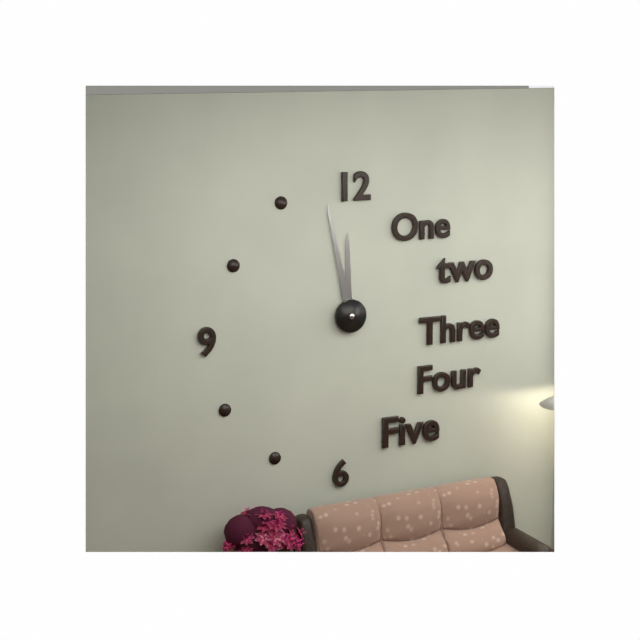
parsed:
11,58
